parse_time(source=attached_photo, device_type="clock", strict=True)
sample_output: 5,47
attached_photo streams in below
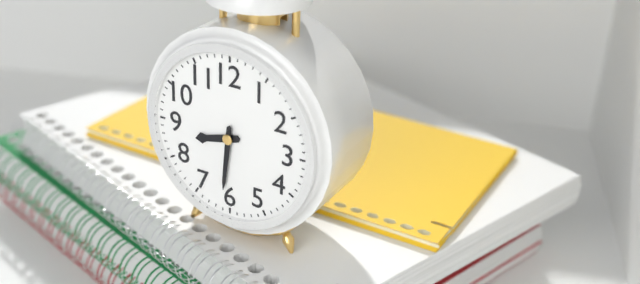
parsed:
8,31
